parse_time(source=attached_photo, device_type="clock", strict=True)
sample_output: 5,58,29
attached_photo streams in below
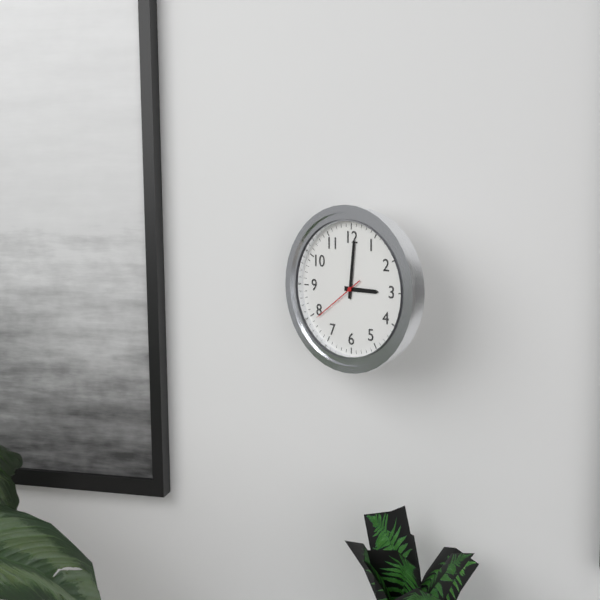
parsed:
3,01,39
